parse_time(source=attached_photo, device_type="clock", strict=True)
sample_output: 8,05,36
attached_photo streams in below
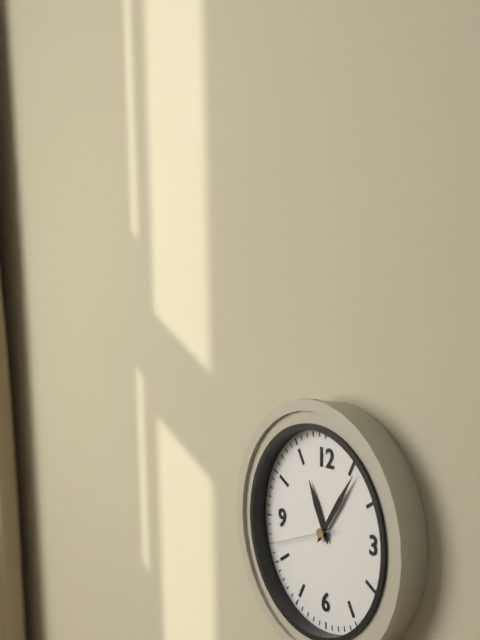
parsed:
11,06,42
